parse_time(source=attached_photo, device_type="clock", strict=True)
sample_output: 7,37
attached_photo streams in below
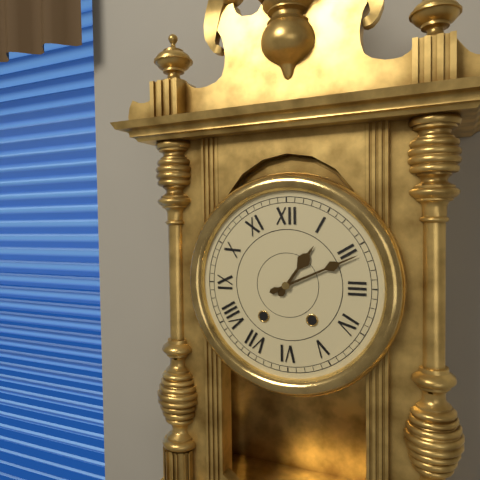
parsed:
1,11
